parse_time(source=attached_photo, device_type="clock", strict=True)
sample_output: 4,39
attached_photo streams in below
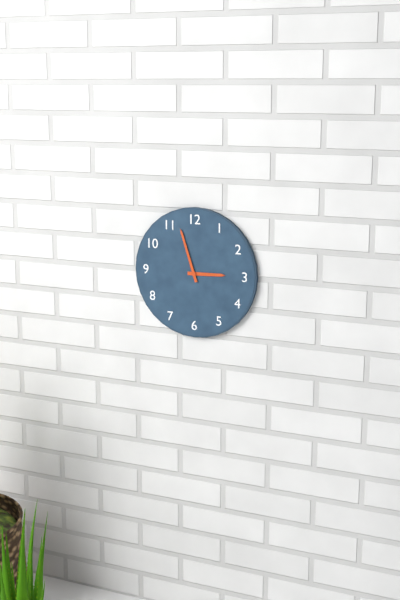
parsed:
2,57
